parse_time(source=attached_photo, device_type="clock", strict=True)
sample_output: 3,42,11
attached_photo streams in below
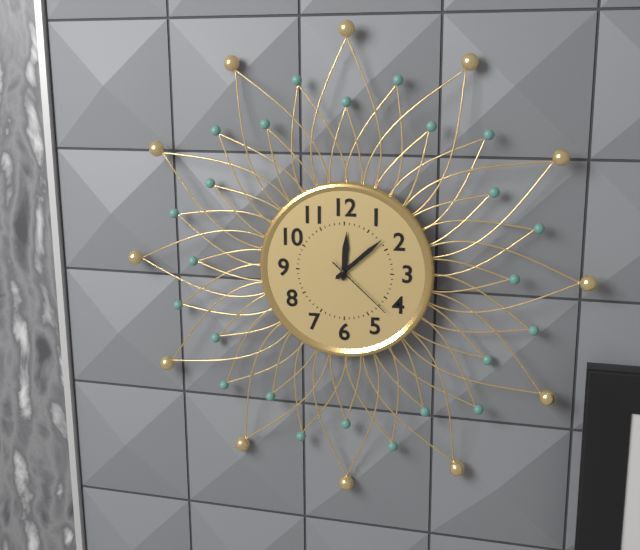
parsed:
12,08,22
